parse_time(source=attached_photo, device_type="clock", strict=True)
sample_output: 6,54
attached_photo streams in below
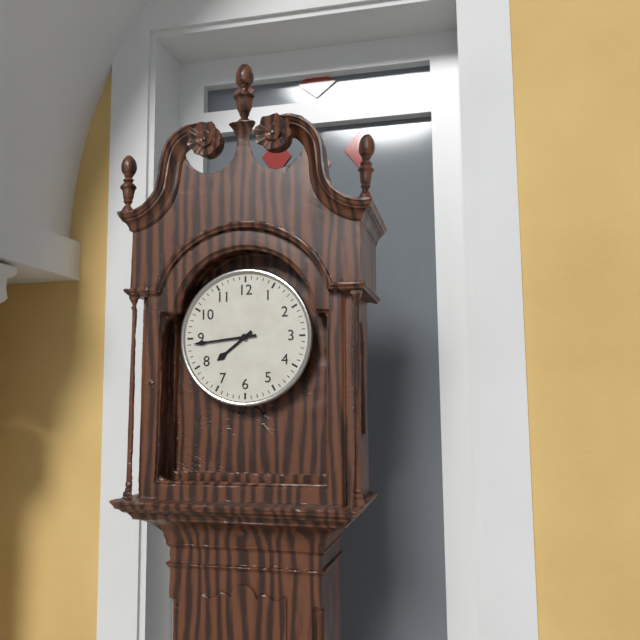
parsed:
7,44
